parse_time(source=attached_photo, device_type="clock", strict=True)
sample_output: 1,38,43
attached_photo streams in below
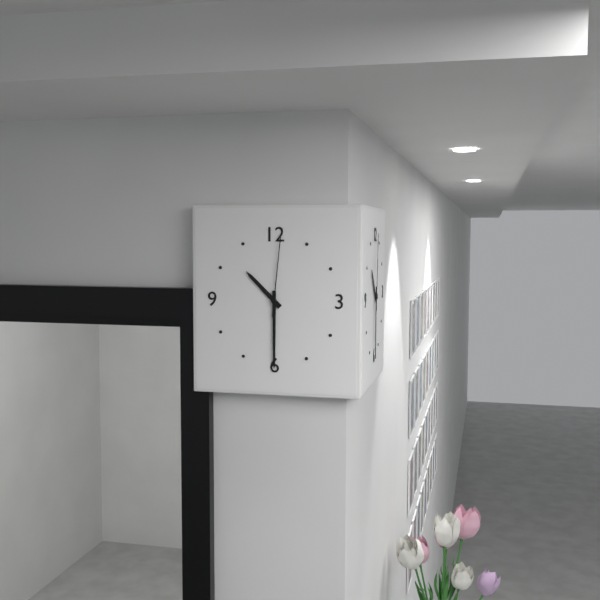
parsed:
10,30,01
